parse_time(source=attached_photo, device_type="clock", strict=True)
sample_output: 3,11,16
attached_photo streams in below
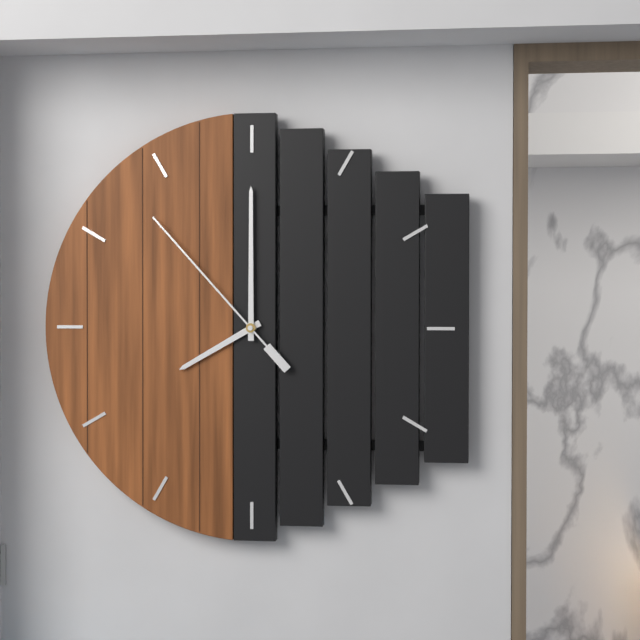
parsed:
8,00,53
